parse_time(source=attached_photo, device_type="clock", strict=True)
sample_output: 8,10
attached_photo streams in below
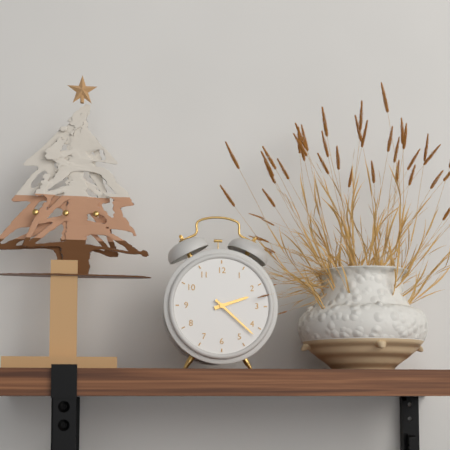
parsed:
2,22
